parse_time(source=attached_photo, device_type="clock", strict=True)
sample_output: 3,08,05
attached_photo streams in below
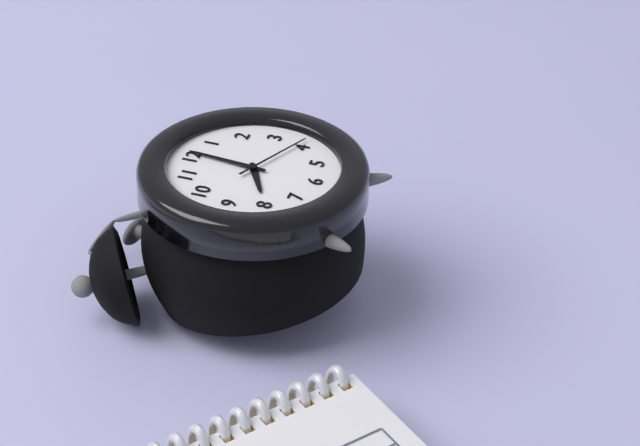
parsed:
8,01,19
